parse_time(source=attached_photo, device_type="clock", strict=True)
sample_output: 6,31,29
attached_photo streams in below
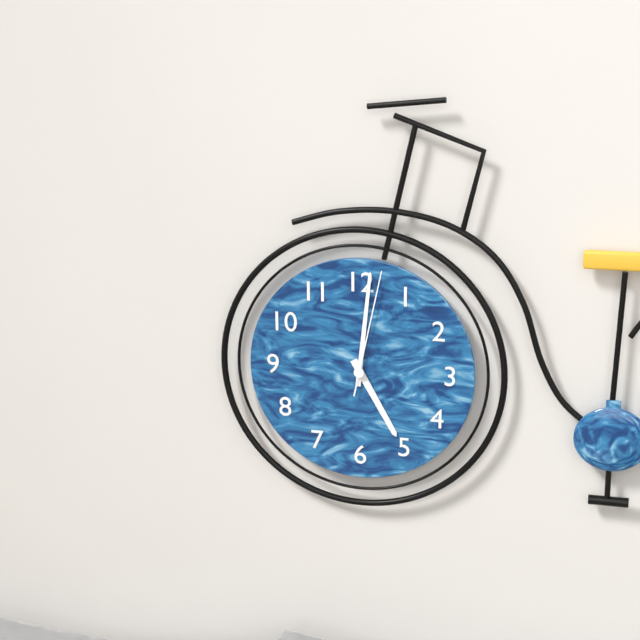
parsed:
5,01,02
